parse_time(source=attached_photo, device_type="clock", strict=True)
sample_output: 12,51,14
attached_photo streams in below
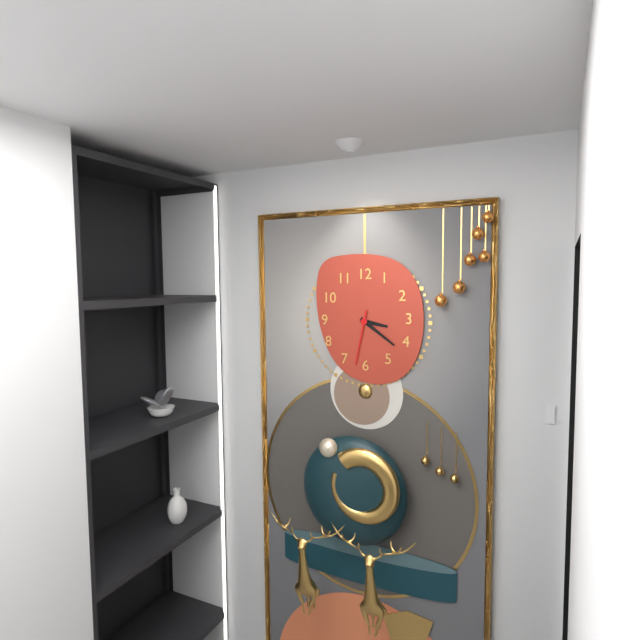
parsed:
3,21,32
